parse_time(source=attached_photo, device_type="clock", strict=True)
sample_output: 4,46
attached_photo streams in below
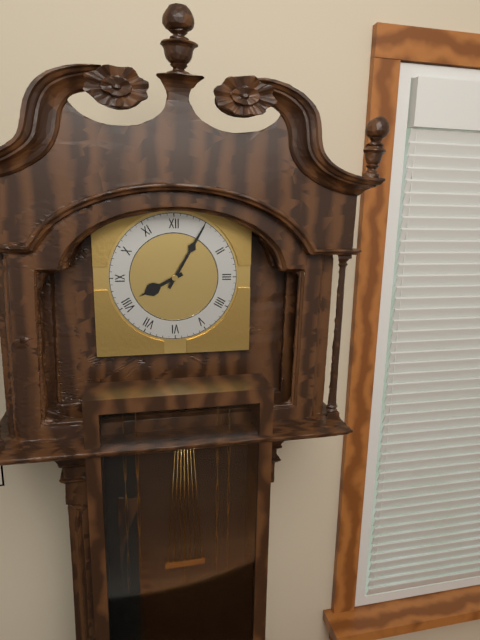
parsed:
8,05
